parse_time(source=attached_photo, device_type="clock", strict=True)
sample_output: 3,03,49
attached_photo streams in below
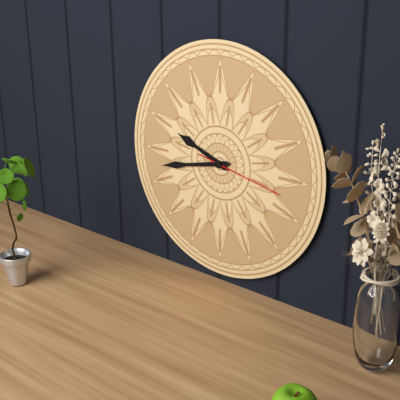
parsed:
9,43,17
